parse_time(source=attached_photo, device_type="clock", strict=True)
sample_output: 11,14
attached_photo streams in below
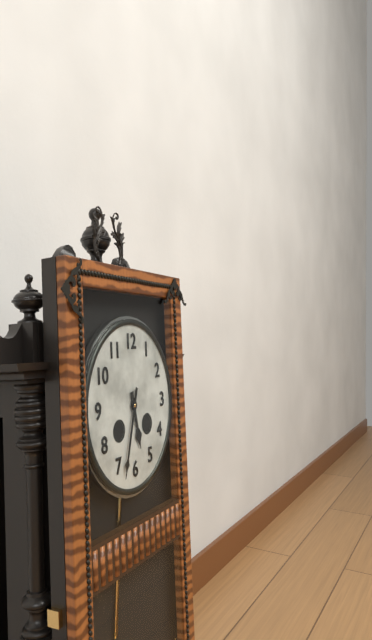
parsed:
5,33
